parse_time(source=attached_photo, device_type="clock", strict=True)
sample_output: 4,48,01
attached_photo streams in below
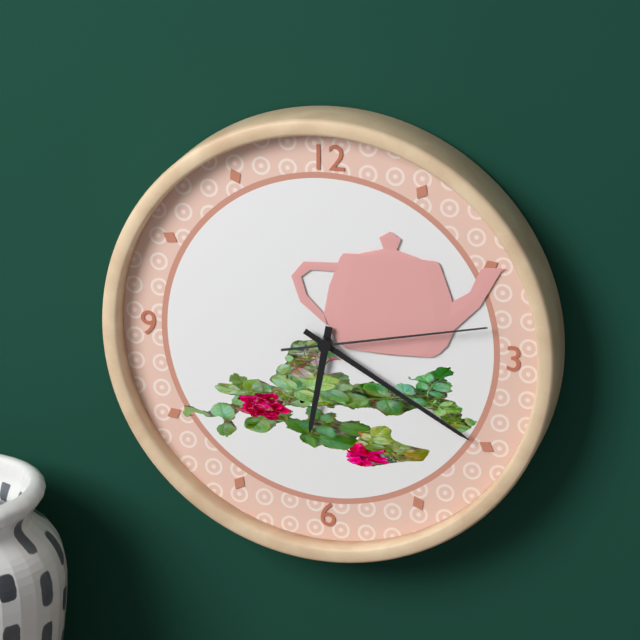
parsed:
6,20,13
